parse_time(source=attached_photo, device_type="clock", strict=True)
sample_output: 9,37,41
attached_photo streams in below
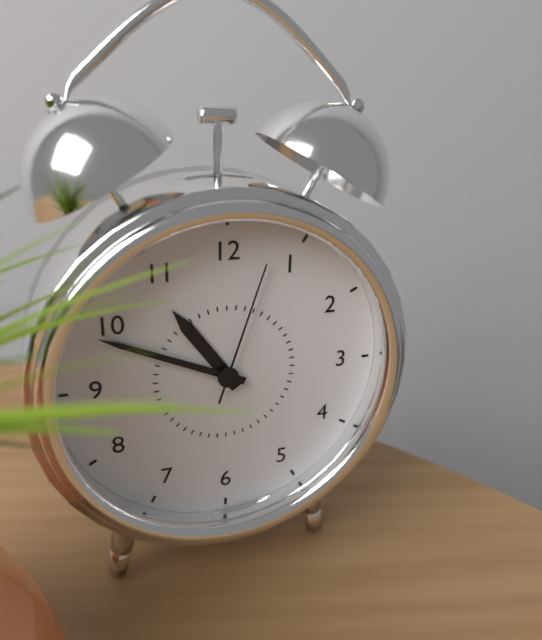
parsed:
10,49,03
